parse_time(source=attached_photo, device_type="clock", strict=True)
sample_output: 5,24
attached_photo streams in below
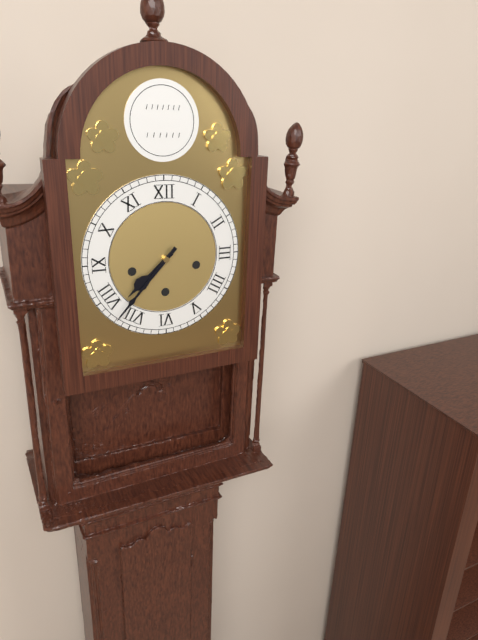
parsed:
7,37
